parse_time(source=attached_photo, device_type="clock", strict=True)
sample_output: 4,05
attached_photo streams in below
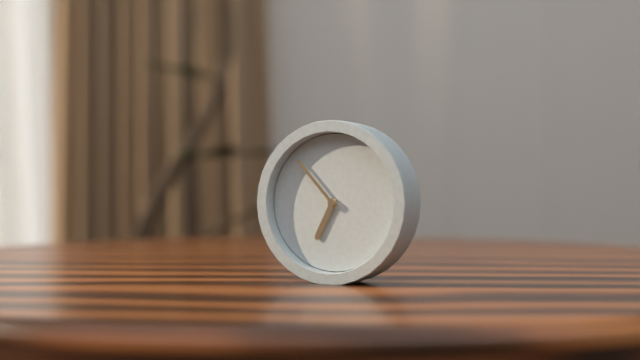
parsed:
6,53
